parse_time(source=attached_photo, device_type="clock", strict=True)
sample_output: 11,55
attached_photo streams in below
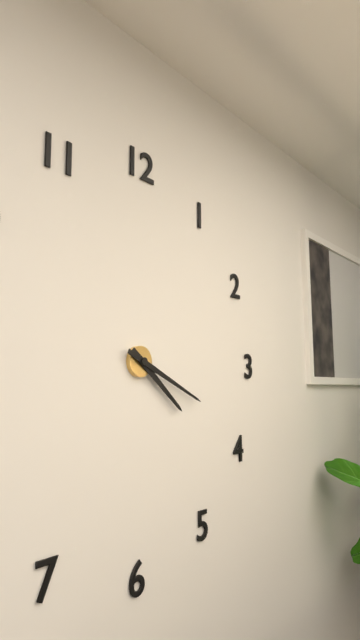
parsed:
4,19
